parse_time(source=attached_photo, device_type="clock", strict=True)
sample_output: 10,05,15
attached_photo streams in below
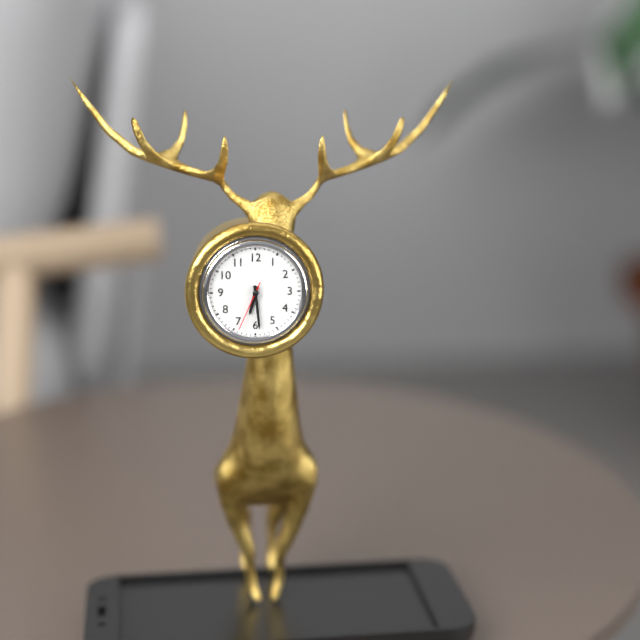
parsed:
6,29,34
